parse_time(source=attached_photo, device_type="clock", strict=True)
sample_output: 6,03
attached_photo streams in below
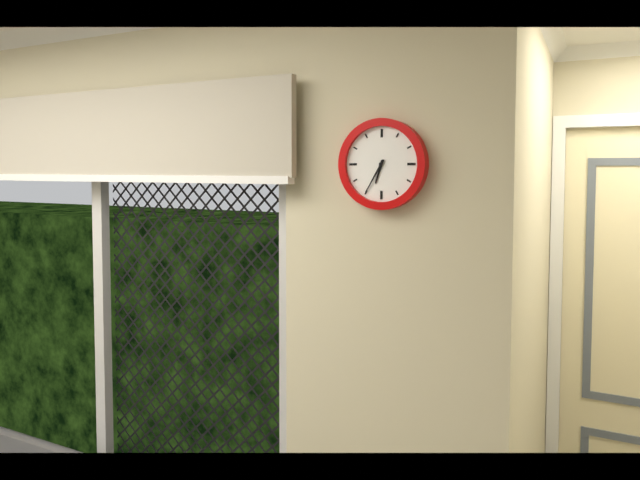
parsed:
6,35
